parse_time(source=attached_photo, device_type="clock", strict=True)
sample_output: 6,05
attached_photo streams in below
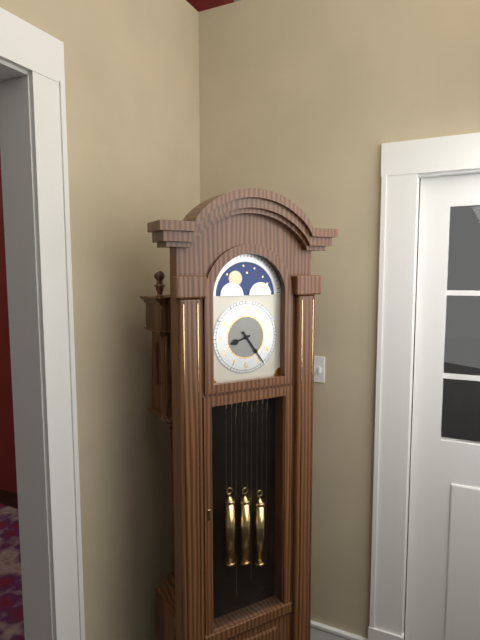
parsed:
8,24
